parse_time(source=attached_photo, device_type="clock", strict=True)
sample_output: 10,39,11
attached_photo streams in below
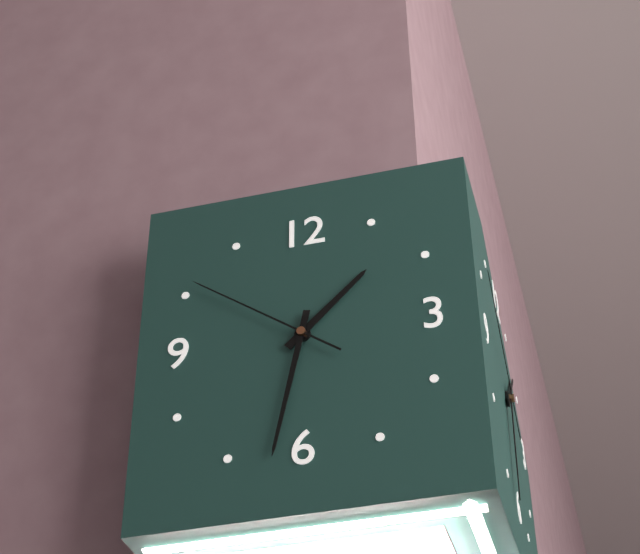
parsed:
1,32,51
